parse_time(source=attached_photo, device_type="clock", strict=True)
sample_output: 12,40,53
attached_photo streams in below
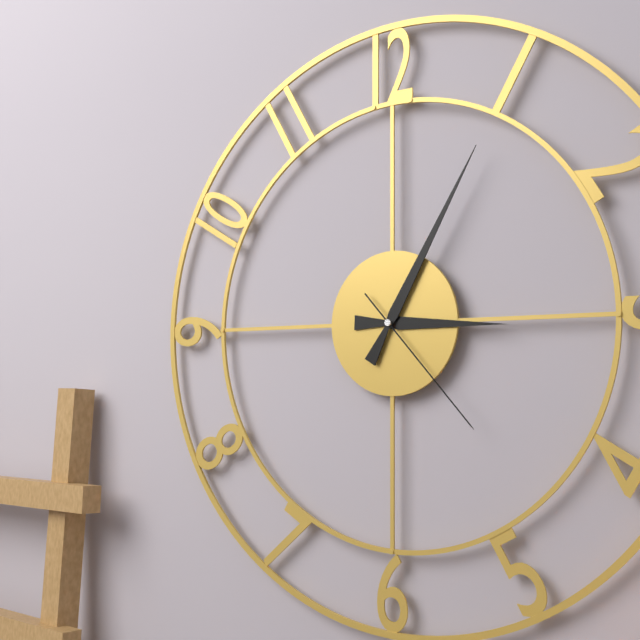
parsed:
3,05,23
